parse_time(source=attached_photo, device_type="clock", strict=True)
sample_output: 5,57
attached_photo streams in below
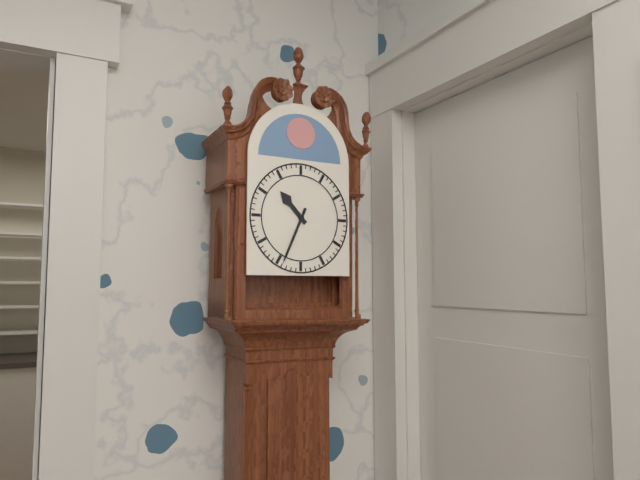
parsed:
10,34
